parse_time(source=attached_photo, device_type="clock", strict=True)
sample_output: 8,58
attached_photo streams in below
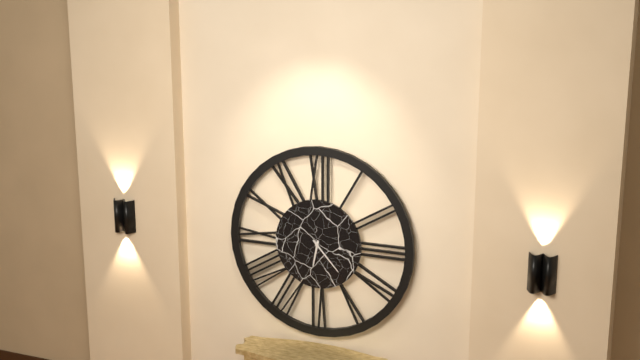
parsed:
6,23
